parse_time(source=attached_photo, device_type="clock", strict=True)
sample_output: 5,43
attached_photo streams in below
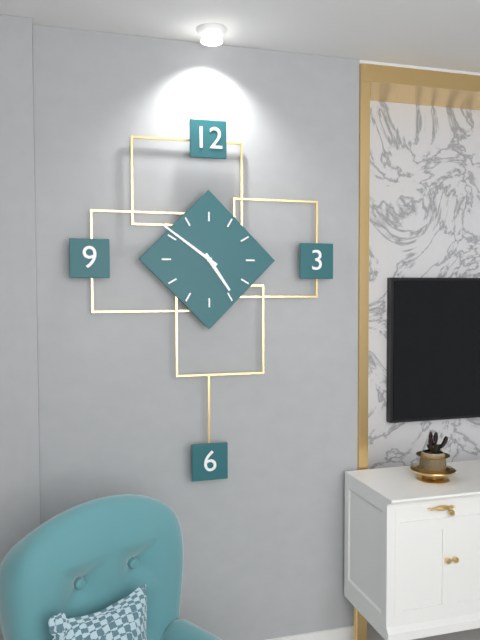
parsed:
4,51
